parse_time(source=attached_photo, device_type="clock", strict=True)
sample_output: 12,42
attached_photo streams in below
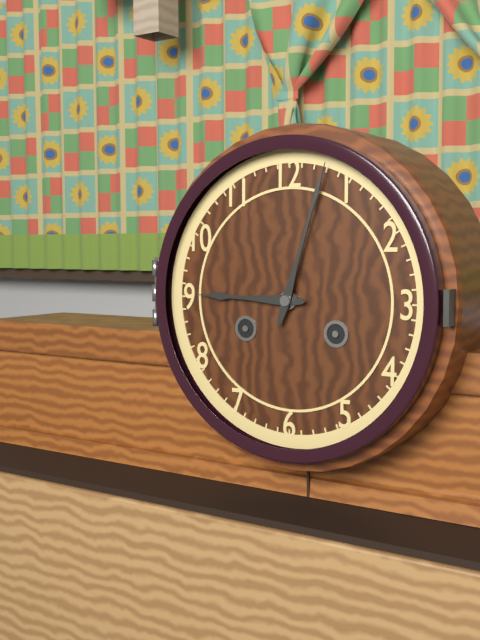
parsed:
9,03
